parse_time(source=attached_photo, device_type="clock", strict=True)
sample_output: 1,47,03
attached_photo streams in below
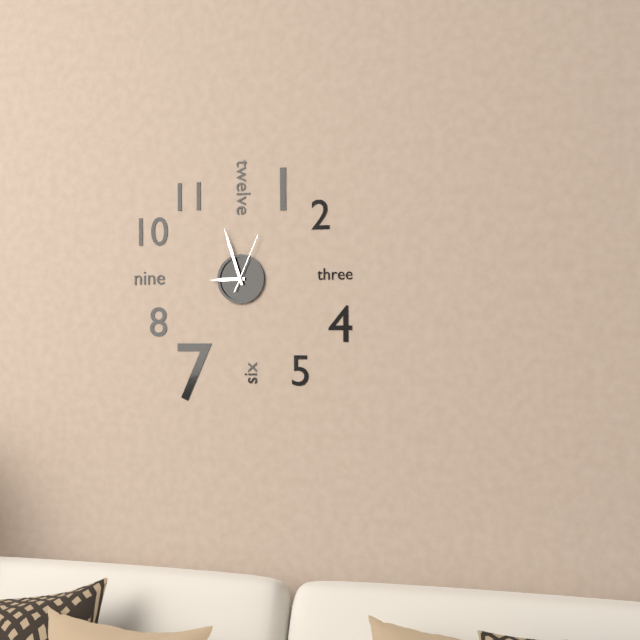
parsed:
8,57,04
